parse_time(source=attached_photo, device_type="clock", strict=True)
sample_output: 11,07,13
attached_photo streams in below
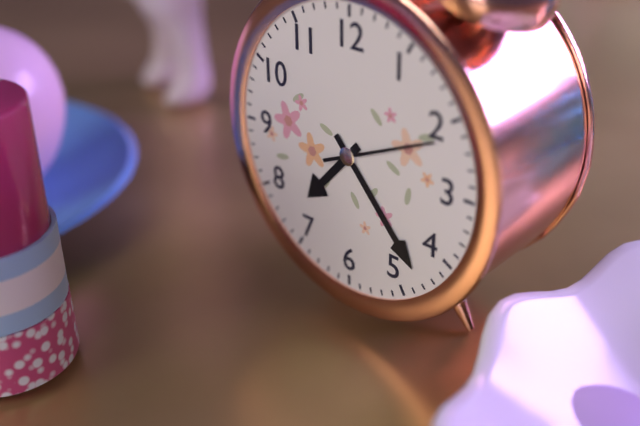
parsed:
7,23,11
